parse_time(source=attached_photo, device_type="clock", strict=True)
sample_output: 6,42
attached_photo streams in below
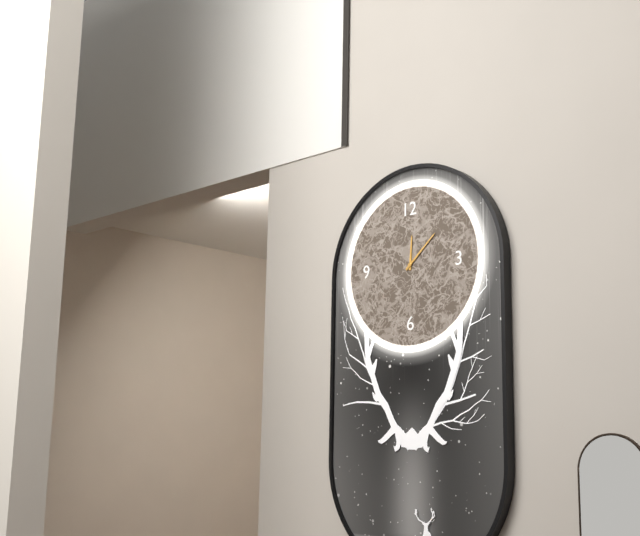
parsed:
12,08
